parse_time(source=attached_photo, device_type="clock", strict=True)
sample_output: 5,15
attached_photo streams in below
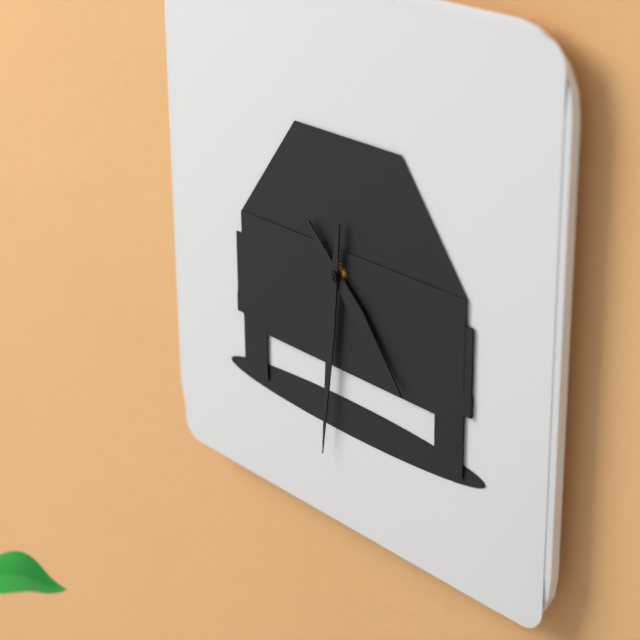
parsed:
4,31
